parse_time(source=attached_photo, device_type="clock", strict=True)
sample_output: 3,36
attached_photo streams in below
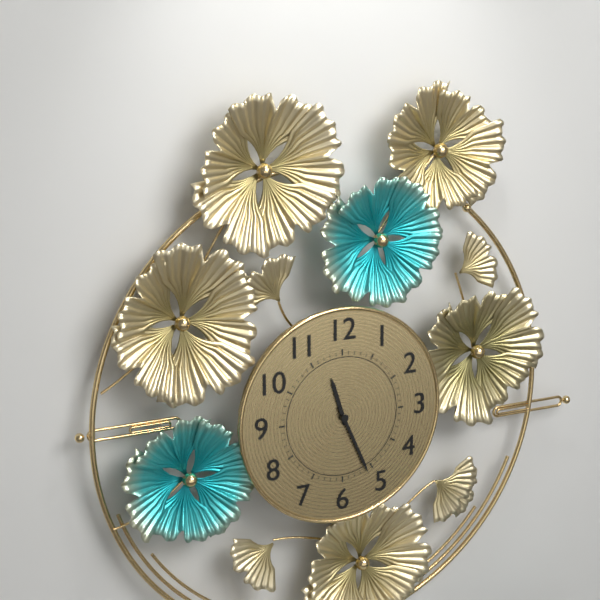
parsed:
11,26
